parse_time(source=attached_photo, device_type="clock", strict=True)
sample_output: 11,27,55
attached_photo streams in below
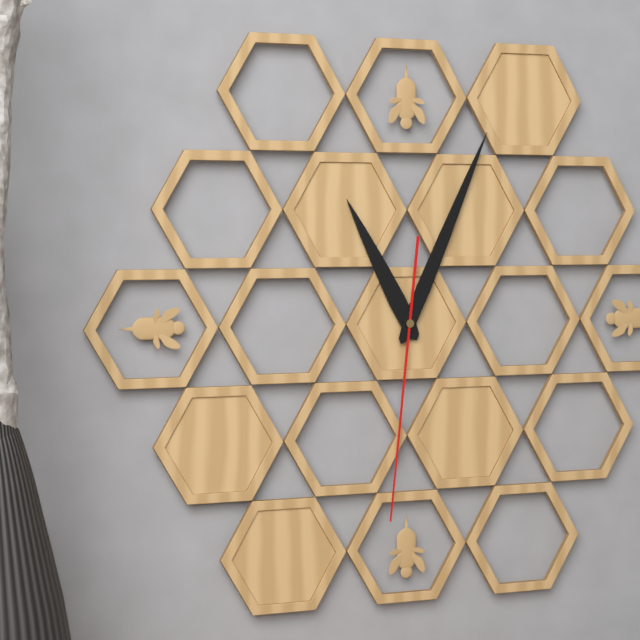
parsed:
11,04,31
